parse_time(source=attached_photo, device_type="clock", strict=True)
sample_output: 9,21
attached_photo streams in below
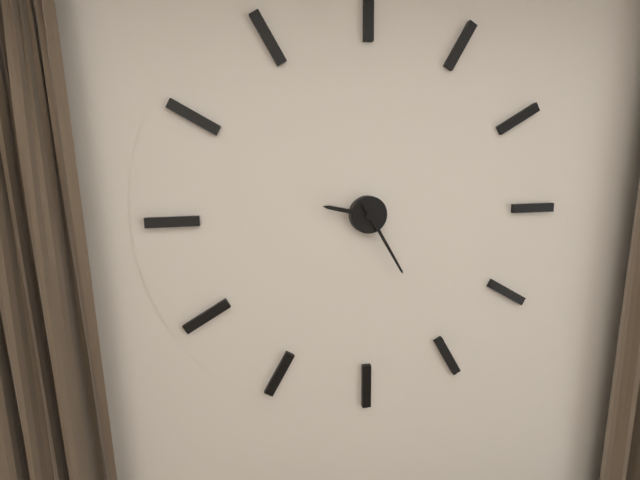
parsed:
9,25
